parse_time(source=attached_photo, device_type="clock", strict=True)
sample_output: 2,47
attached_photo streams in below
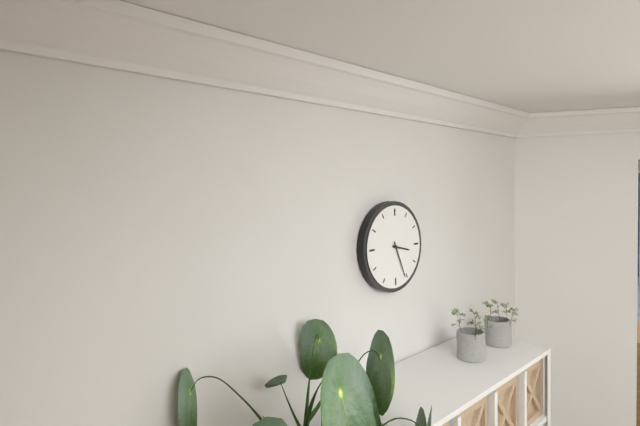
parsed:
3,26
